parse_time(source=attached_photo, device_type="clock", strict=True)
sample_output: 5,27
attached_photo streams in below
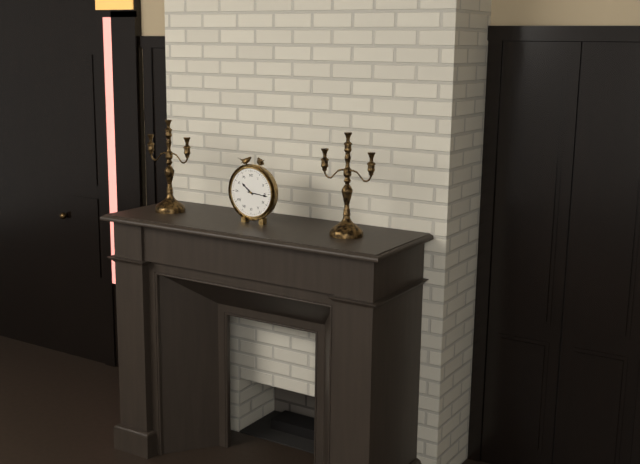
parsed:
10,16
